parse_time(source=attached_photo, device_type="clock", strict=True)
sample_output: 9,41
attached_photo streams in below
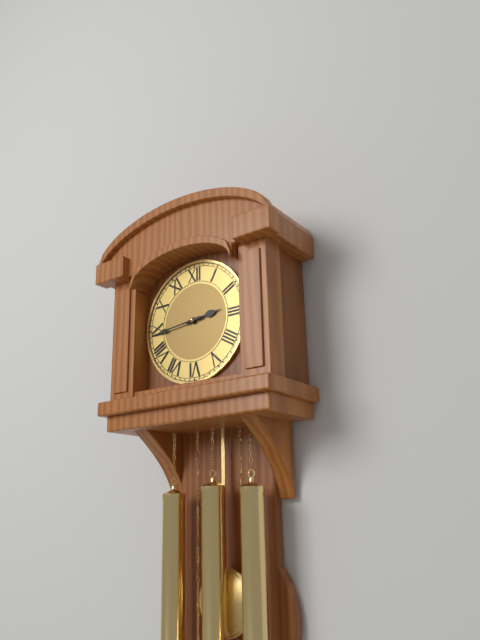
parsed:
2,44
